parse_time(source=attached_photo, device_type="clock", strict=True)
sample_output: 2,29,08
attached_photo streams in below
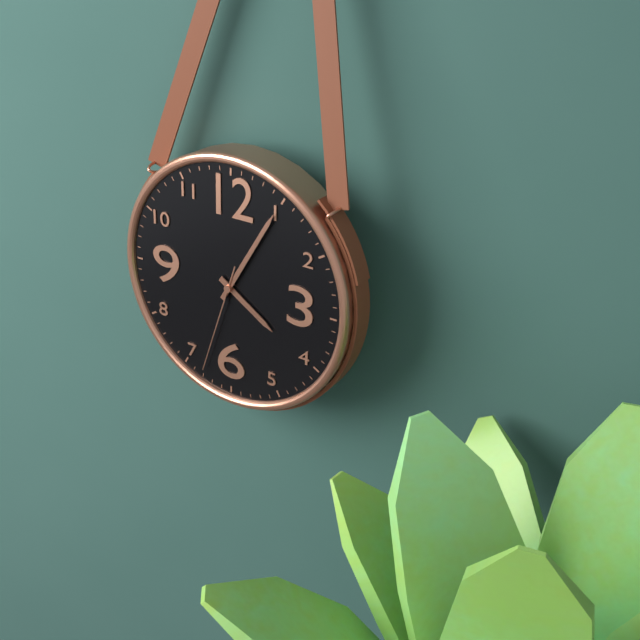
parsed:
4,05,33
